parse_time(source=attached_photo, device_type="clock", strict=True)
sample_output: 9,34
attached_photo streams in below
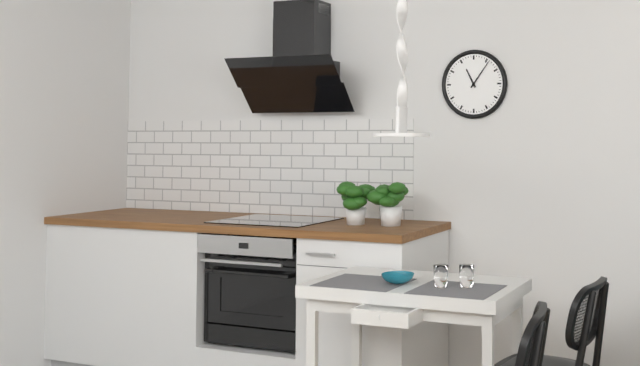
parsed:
11,06
